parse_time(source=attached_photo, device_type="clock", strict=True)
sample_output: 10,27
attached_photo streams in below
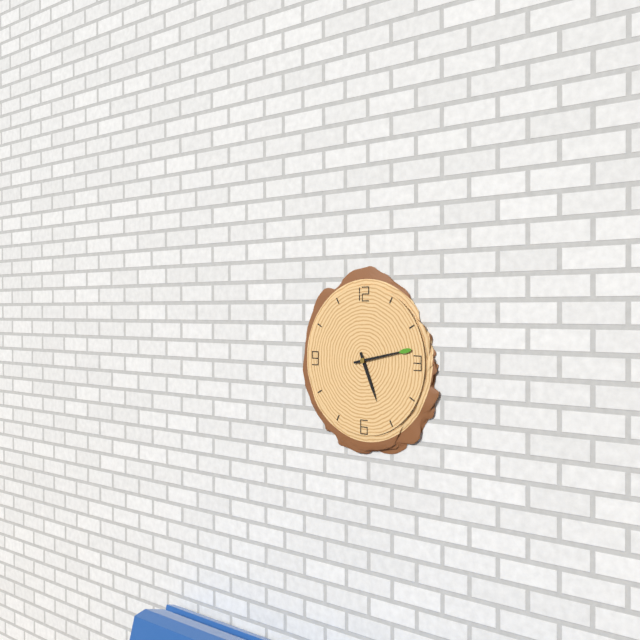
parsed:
5,13
